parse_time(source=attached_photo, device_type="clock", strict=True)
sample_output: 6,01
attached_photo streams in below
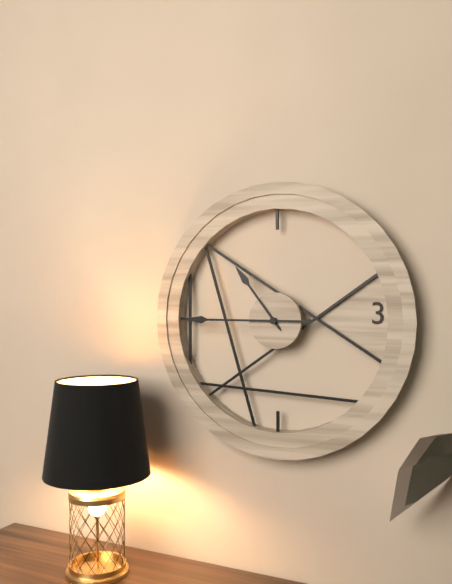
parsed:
10,45
